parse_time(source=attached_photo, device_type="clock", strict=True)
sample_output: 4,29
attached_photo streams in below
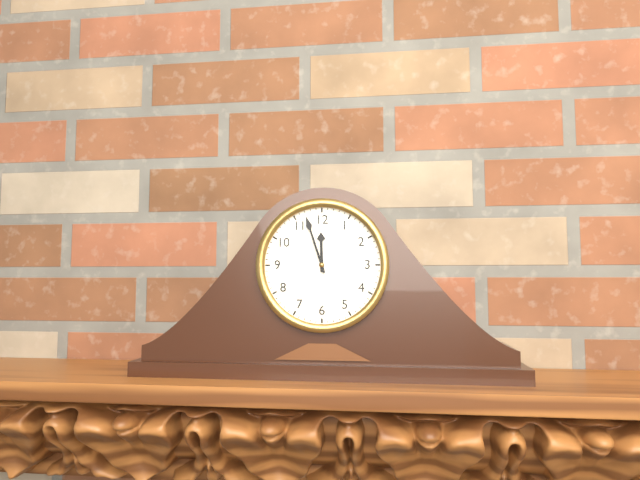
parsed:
11,57
